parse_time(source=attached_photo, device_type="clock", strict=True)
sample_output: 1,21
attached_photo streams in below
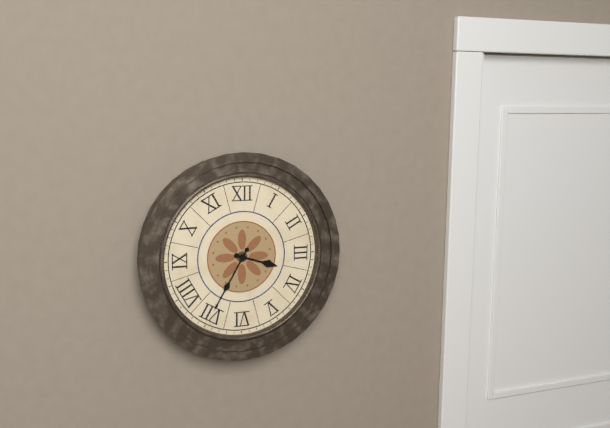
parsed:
3,35
